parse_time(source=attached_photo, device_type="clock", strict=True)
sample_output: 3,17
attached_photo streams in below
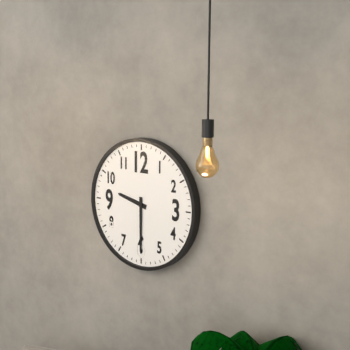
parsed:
9,30
